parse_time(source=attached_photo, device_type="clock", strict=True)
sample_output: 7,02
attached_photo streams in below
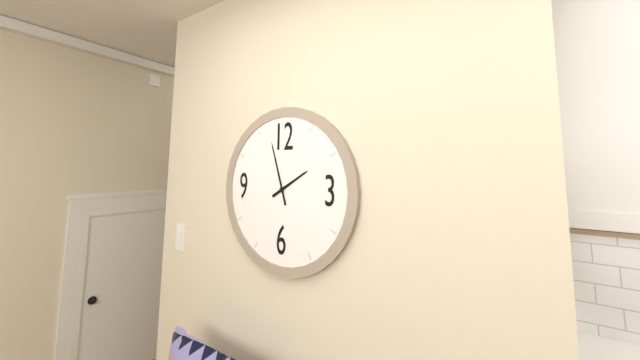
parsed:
1,57
